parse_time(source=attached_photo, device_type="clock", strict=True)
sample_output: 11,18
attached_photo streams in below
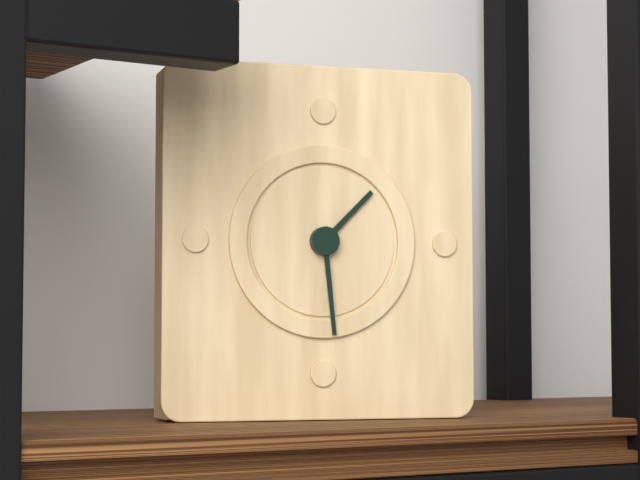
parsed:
1,29
